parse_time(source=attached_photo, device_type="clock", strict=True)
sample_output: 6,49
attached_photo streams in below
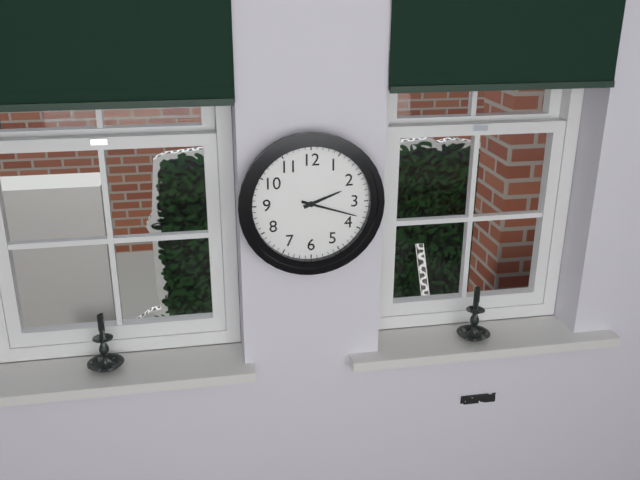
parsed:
2,18
